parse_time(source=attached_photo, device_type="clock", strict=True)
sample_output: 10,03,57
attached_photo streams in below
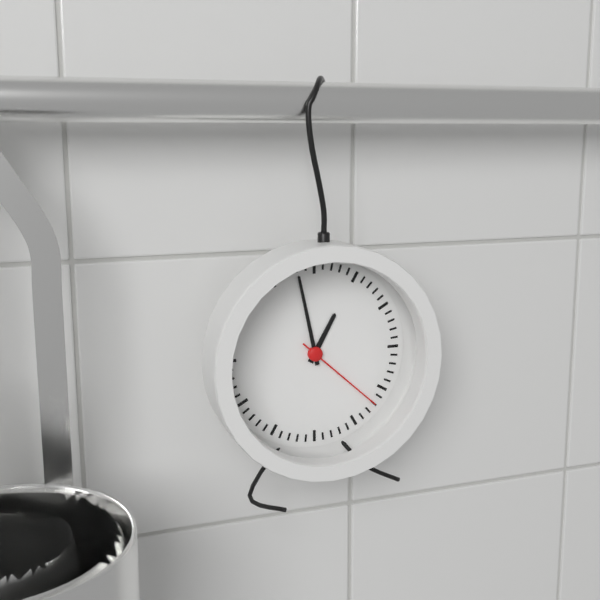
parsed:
12,58,22
